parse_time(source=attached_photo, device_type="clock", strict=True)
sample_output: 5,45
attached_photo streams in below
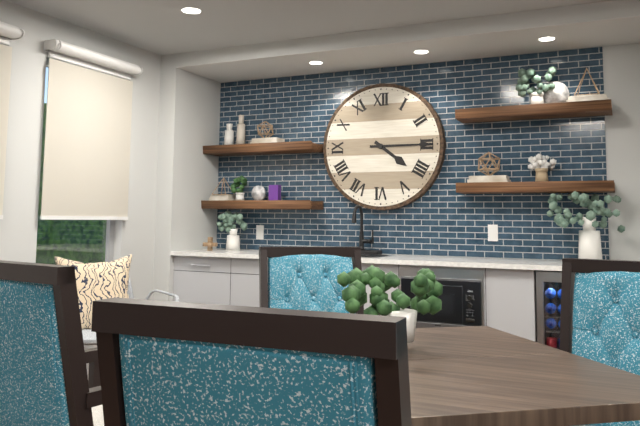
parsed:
4,15
